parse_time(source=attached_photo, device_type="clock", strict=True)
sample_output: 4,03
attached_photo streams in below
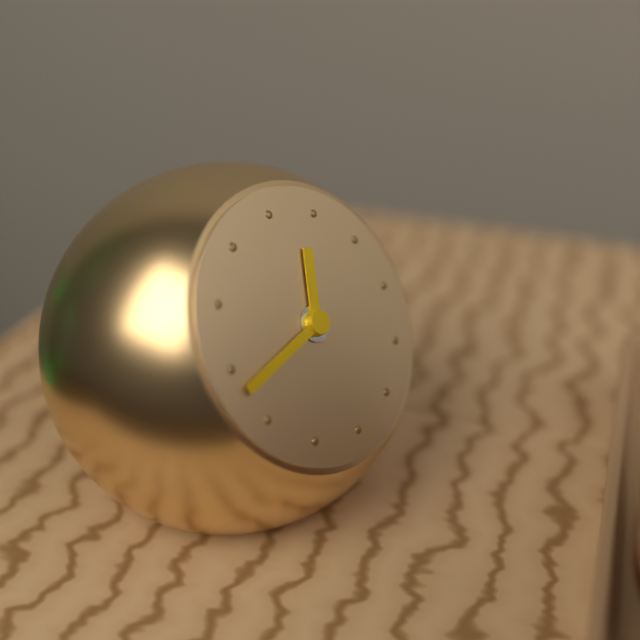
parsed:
12,43
